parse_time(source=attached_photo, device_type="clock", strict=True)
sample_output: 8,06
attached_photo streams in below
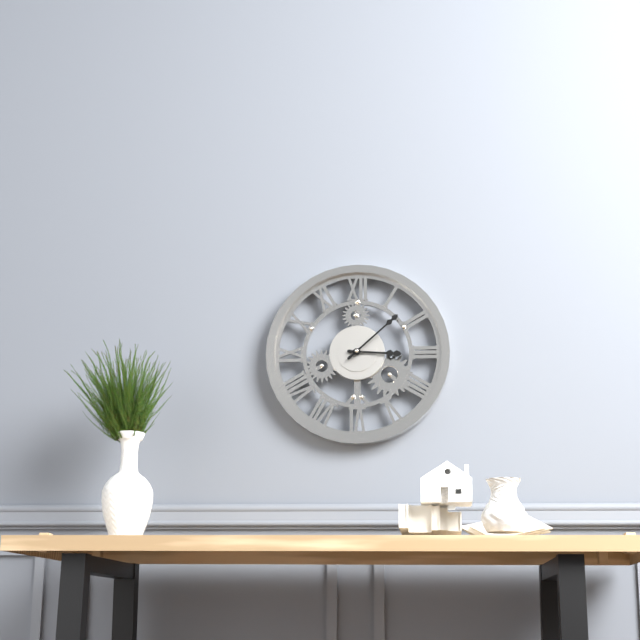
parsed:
3,08
